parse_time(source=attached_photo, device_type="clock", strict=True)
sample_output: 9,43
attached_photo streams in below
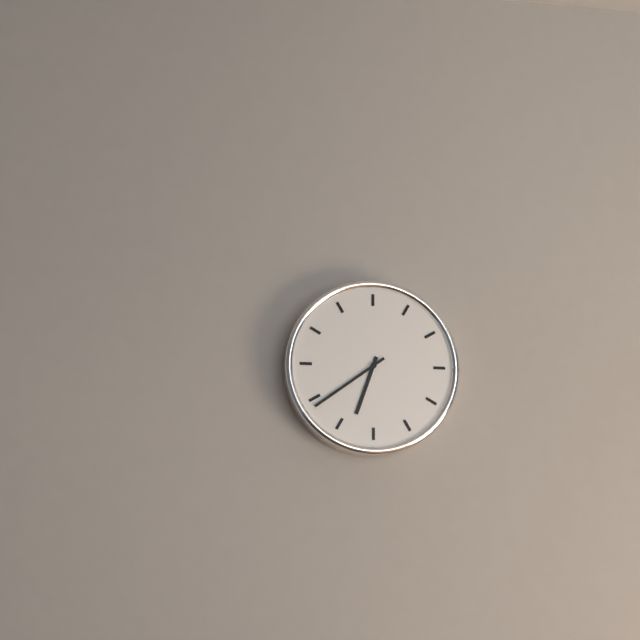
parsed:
6,39
